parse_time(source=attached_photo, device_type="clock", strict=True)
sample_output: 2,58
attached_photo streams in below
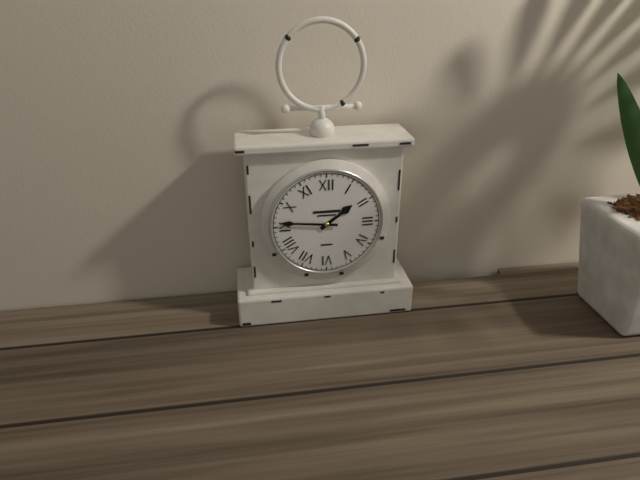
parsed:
1,46
